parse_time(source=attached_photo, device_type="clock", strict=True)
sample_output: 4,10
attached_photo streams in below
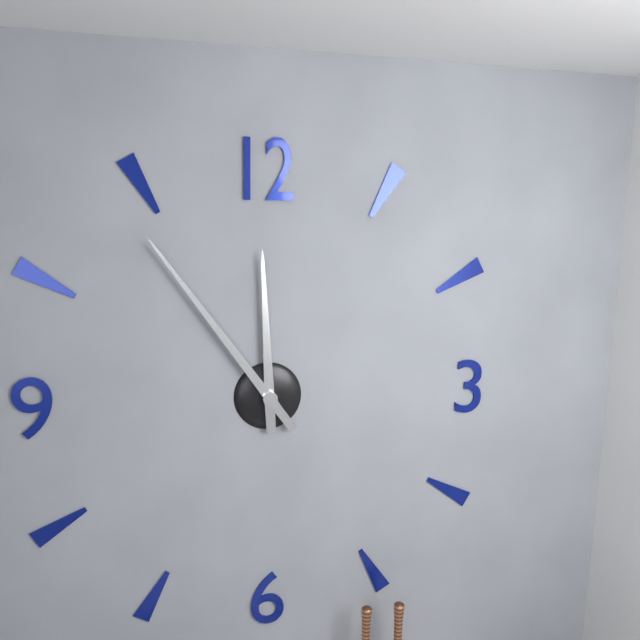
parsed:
11,54
